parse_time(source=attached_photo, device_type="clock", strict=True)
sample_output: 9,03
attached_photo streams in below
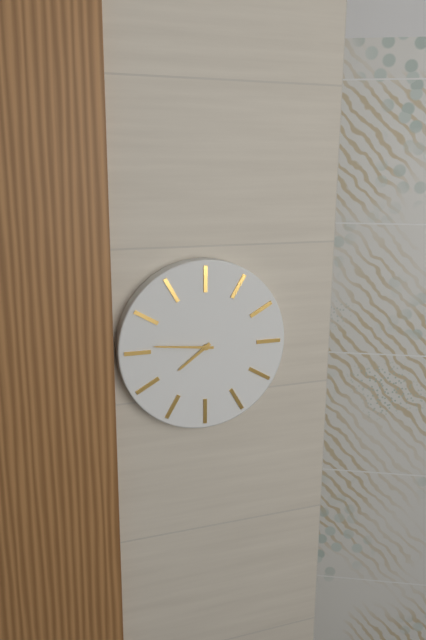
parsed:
7,46
